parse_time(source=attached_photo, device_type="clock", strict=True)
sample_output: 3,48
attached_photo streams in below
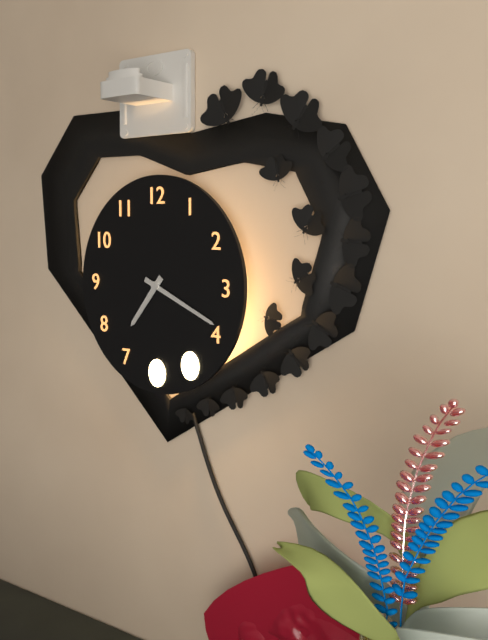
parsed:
7,19
